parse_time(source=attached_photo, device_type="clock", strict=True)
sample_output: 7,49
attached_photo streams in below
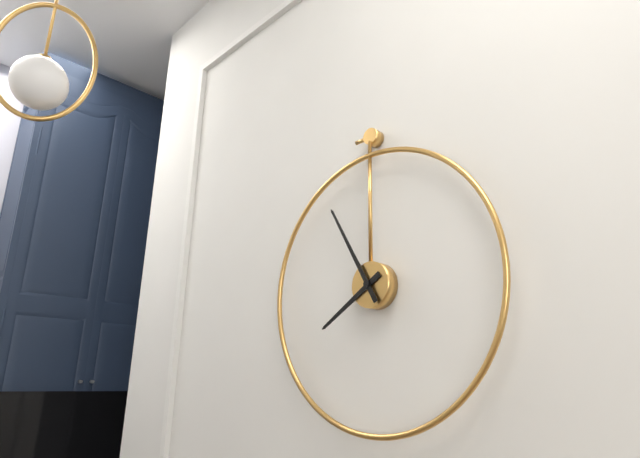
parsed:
7,55
